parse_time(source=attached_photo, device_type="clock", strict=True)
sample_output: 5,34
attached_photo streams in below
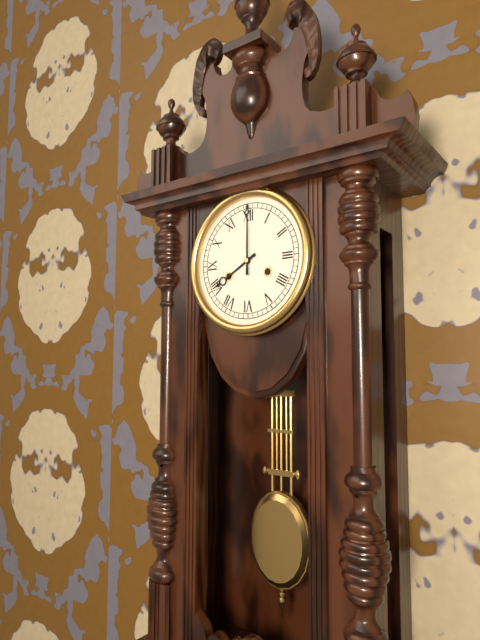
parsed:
8,00
